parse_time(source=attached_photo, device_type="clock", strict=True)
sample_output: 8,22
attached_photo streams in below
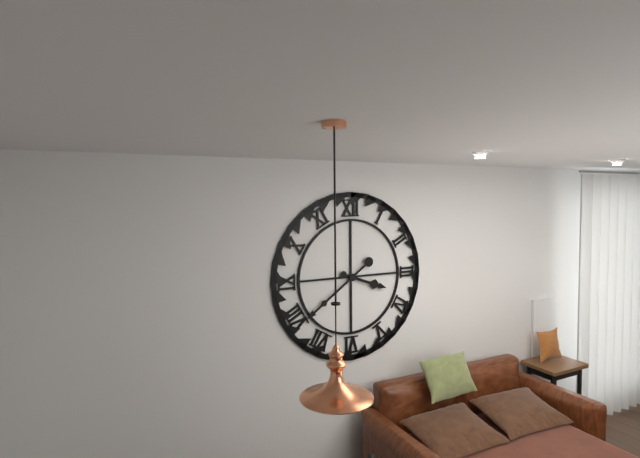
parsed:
3,39
